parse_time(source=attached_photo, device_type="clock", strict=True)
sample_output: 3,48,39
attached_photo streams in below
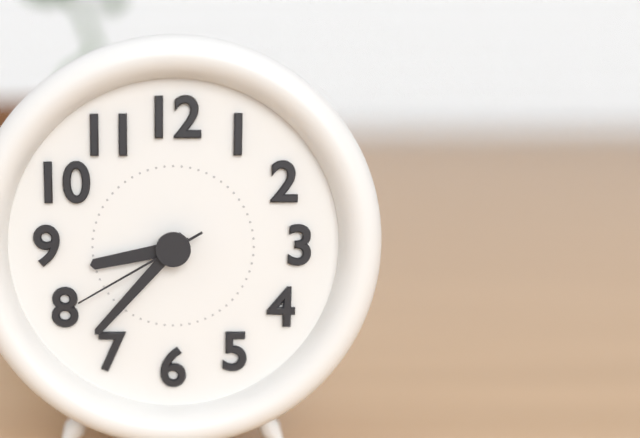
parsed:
8,37,40
